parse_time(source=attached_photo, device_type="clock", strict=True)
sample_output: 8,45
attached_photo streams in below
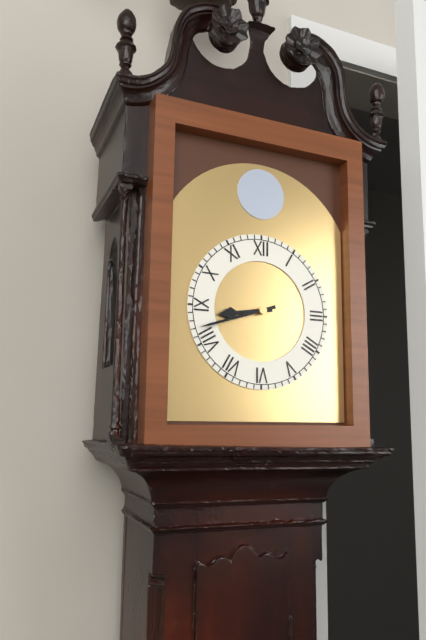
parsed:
8,42
